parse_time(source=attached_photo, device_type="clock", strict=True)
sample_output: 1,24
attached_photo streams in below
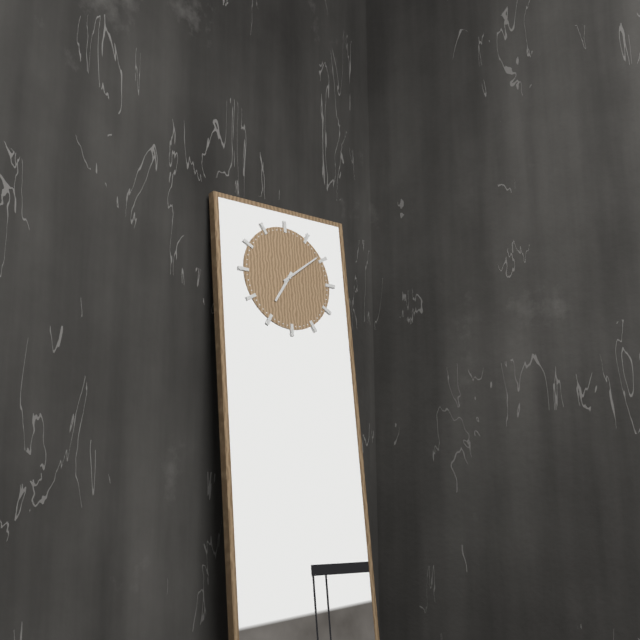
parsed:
7,09
